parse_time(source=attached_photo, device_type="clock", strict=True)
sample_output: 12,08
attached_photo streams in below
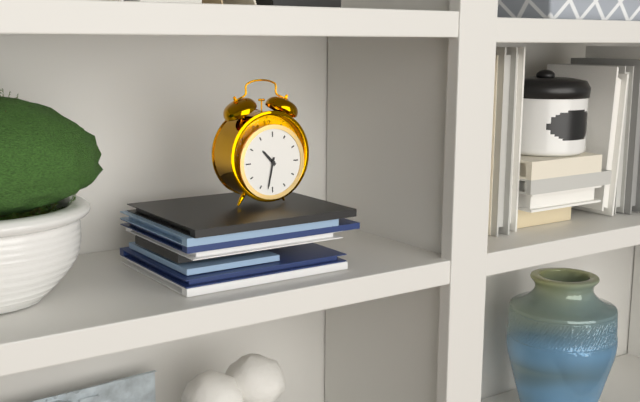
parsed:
10,32
